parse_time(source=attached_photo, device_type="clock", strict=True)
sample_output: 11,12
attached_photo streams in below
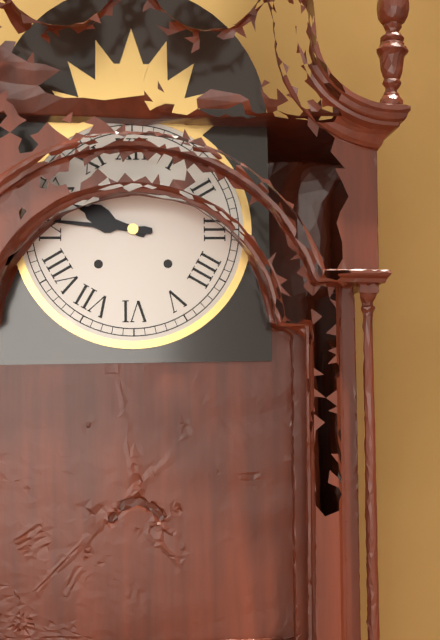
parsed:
9,46
